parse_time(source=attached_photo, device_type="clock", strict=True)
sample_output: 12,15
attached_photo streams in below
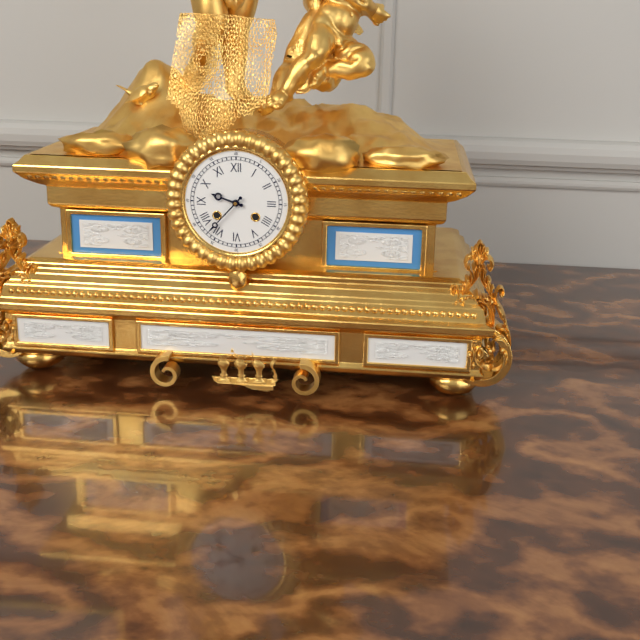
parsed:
9,37
